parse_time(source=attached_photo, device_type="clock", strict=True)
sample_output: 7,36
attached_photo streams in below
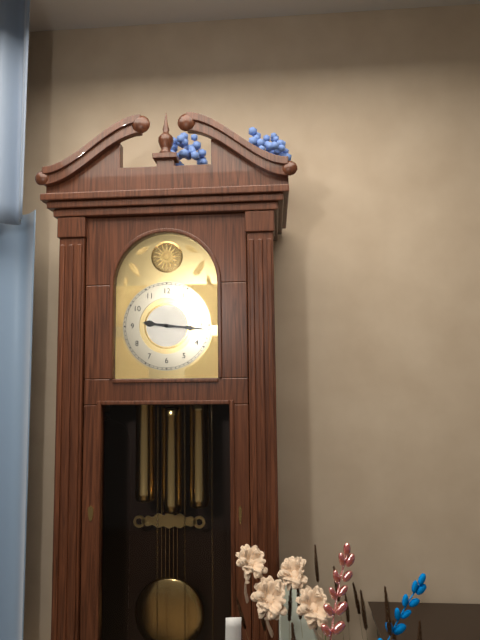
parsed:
9,16
